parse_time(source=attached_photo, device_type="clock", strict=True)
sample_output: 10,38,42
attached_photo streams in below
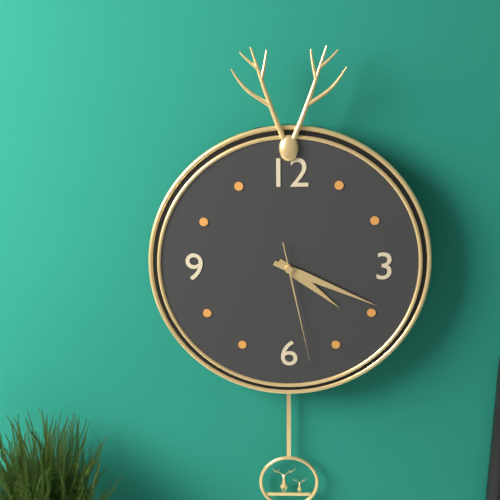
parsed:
4,19,28
